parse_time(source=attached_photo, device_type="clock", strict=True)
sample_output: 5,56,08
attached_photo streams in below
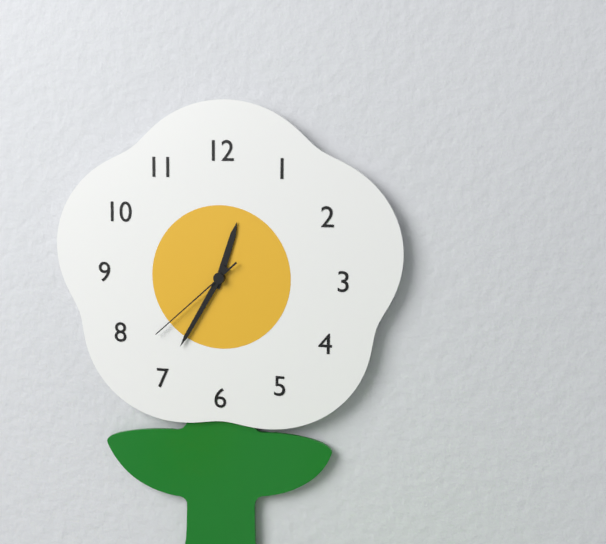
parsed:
12,35,38
